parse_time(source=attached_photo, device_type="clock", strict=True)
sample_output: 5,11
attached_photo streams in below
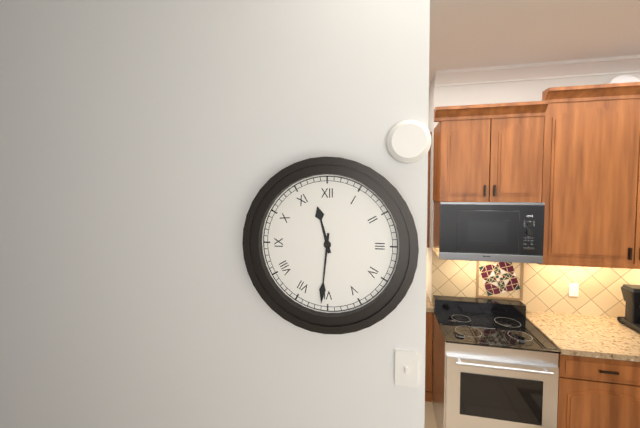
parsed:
11,31
